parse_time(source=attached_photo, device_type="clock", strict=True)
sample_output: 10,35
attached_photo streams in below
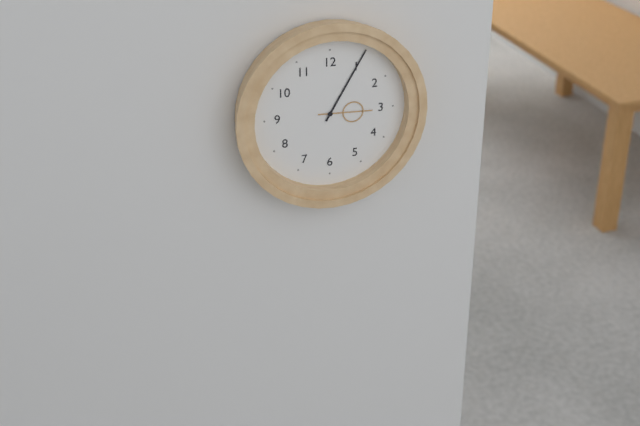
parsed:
3,05
